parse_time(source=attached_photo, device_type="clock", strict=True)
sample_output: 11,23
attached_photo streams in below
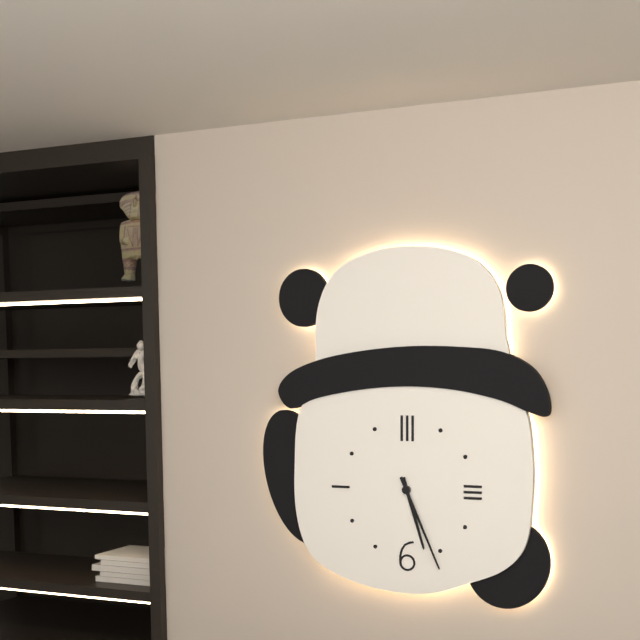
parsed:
5,26
